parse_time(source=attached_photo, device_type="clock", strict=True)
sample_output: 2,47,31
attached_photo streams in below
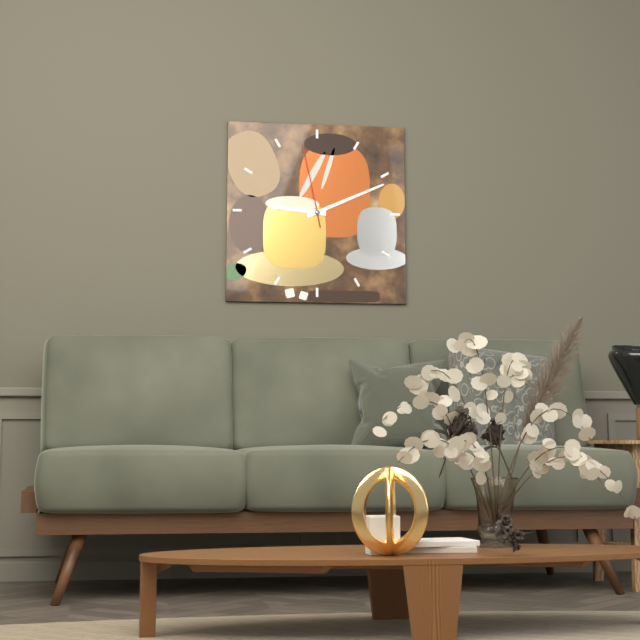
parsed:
9,11,58
